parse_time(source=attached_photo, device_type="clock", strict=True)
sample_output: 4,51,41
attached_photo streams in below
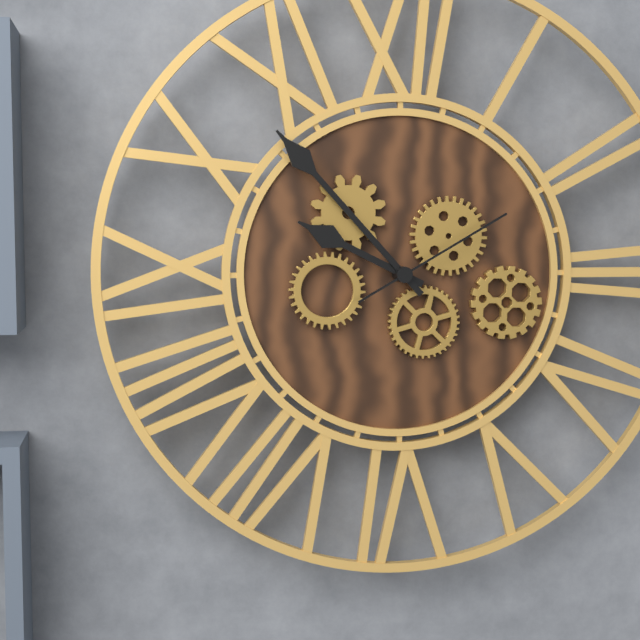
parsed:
9,53,10
